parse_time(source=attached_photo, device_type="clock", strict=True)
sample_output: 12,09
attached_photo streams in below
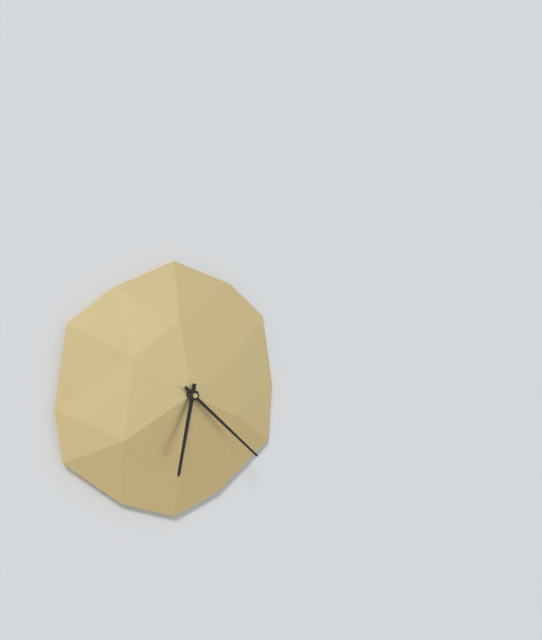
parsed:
6,22
